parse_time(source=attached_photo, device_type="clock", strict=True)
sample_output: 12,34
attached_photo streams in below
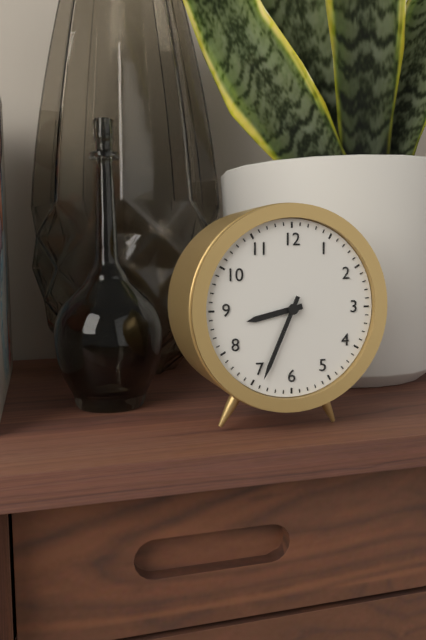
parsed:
8,34
